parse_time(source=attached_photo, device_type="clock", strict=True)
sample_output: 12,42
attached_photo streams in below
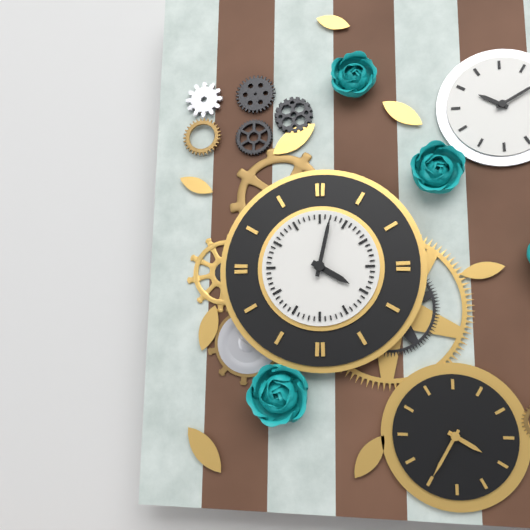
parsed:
4,02
